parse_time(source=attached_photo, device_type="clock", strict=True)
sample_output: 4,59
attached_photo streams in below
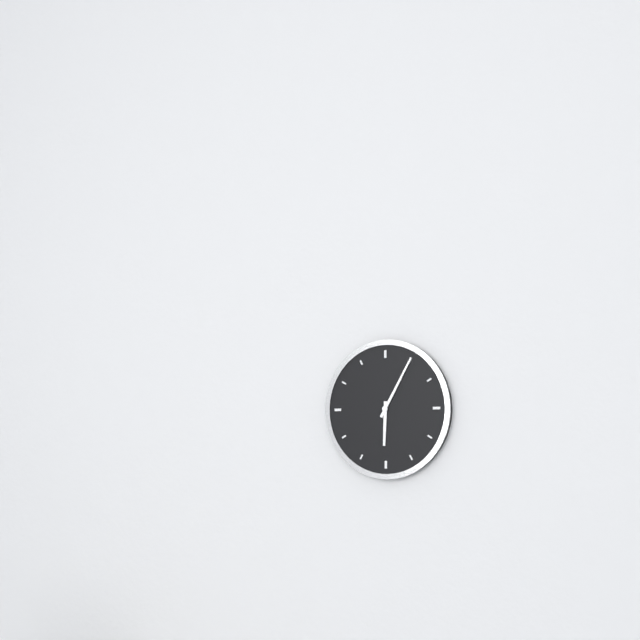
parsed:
6,05
